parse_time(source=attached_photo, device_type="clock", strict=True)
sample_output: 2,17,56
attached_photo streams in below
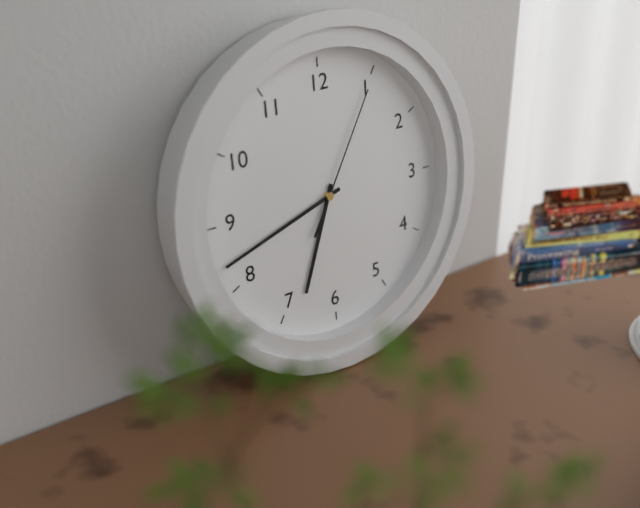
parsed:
6,42,05
